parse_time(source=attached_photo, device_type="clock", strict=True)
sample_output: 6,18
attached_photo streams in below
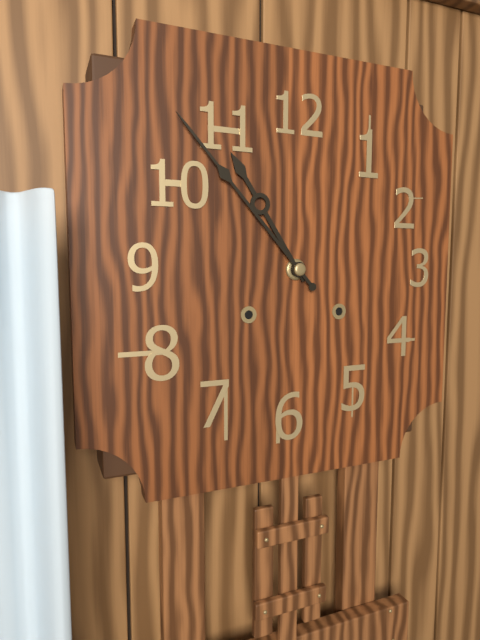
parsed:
10,53
